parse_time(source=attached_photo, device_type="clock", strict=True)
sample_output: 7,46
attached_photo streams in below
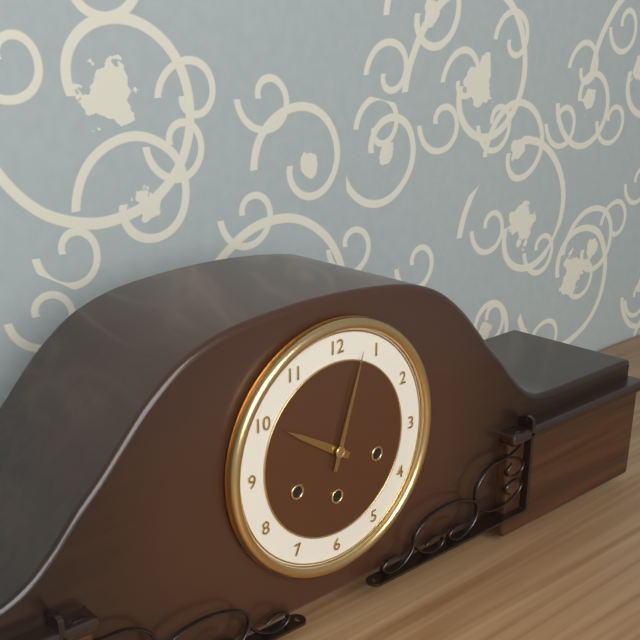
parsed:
10,03
